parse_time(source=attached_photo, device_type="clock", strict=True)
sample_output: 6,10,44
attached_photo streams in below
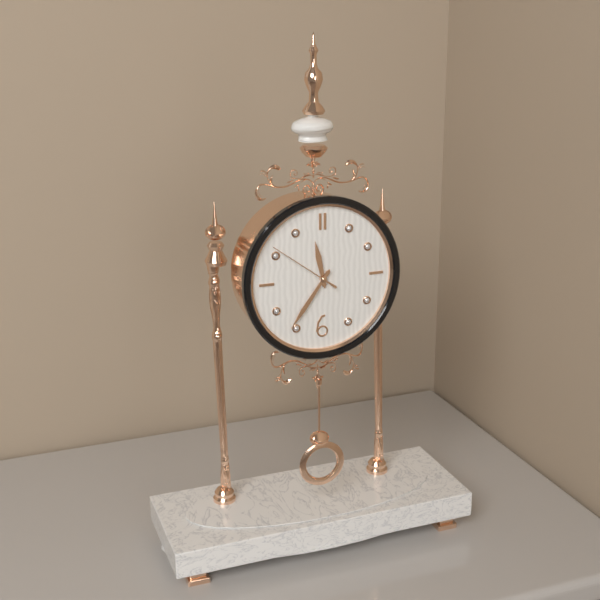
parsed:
11,36,51
